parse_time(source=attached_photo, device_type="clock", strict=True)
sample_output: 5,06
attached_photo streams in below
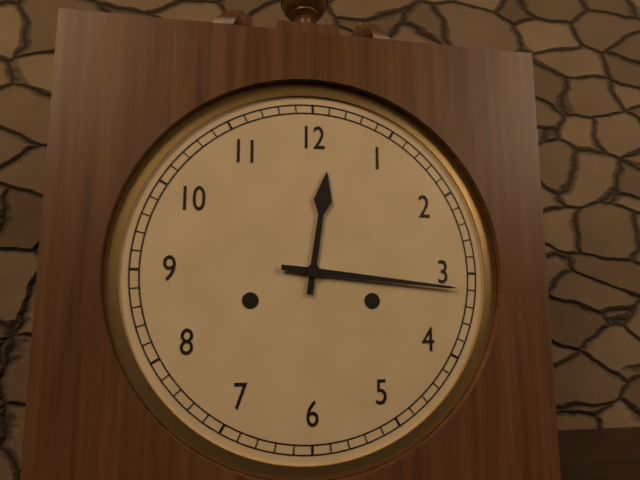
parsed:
12,16
